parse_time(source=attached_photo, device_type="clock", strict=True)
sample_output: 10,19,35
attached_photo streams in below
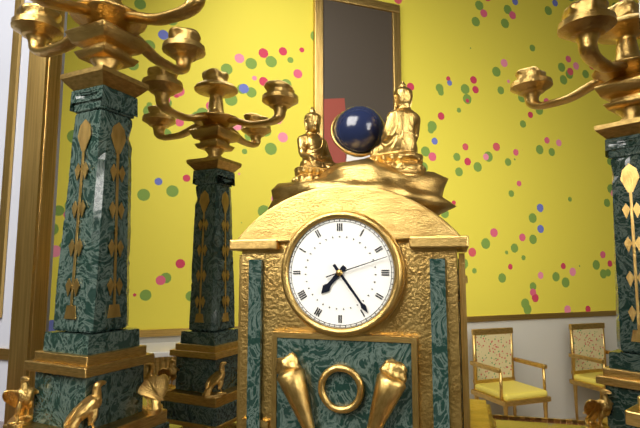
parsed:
7,24,12
